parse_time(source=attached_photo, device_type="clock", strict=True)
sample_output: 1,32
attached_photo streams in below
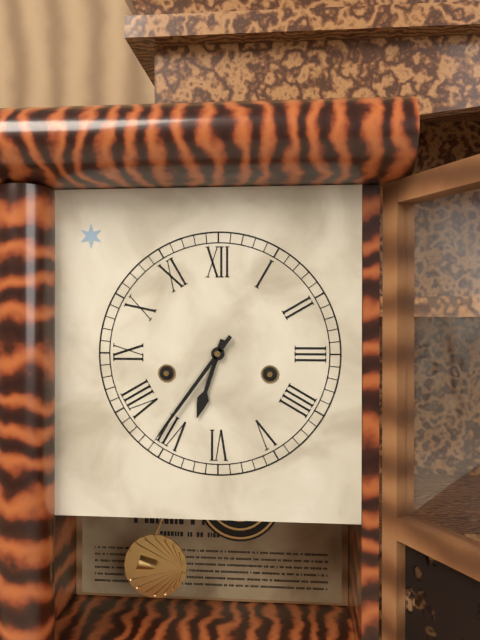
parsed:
6,36
